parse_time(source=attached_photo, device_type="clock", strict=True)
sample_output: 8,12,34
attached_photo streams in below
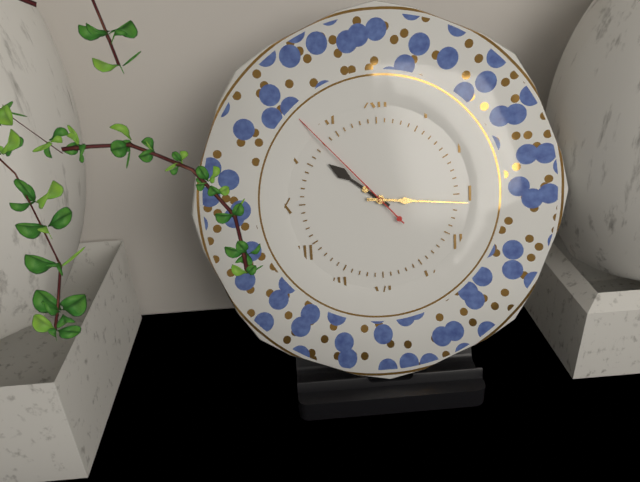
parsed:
10,16,53
